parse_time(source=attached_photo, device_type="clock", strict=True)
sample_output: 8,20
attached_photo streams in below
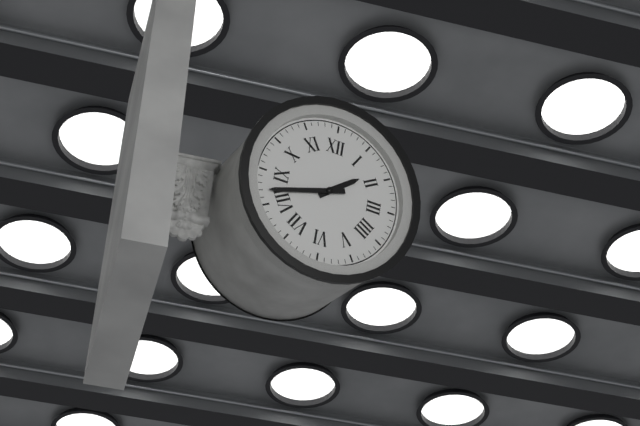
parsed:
1,42
